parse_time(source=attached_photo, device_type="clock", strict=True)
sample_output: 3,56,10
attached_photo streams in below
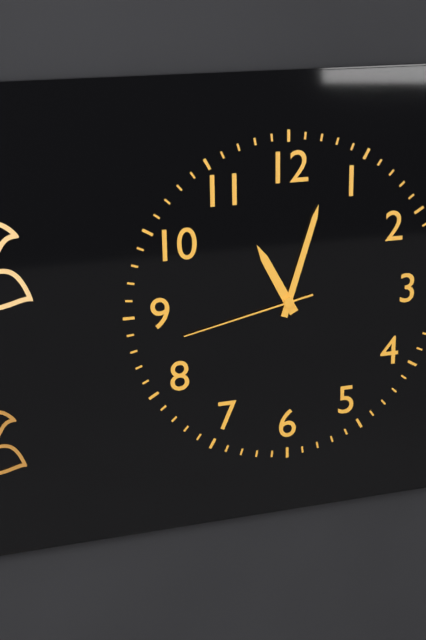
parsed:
11,03,43
